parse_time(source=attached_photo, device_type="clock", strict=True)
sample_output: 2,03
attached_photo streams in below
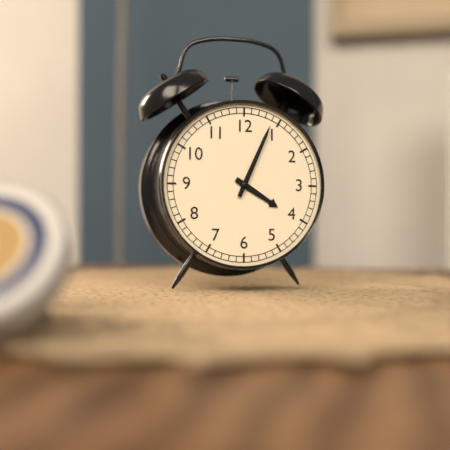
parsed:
4,04
